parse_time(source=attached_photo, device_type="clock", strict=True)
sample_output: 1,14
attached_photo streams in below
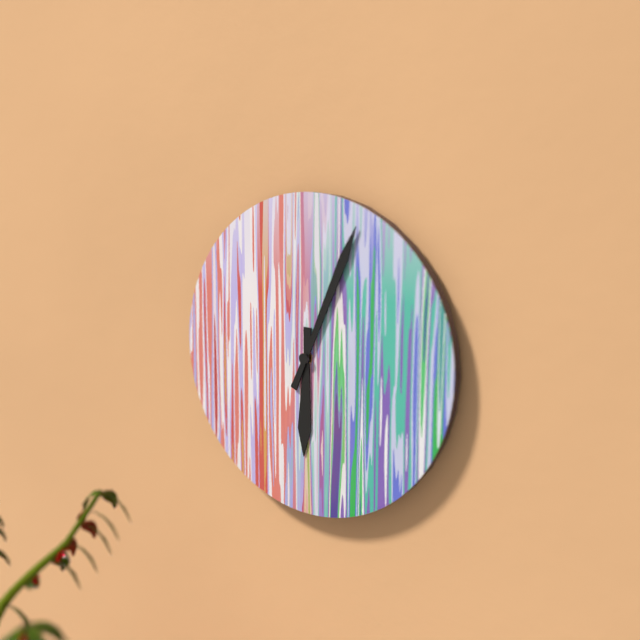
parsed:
6,04
